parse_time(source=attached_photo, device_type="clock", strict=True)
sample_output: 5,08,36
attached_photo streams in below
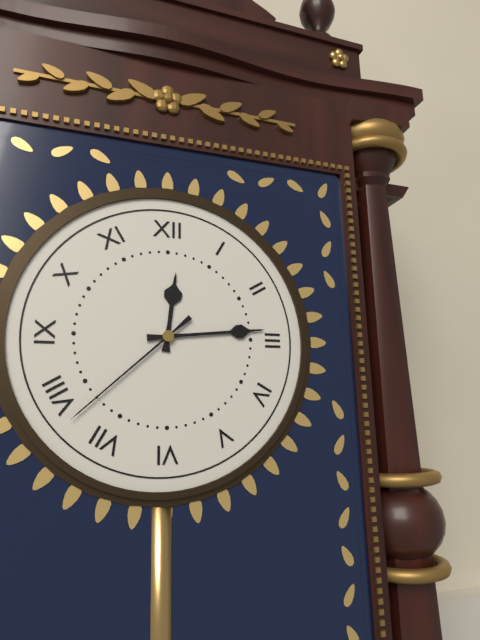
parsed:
12,14,38
